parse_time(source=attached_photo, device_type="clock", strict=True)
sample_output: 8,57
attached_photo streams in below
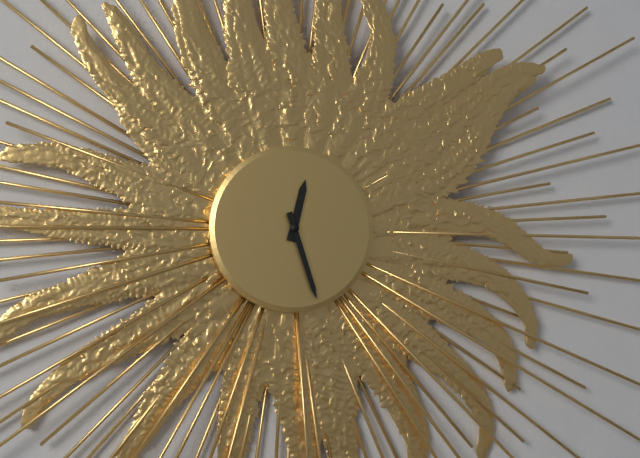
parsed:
12,27
